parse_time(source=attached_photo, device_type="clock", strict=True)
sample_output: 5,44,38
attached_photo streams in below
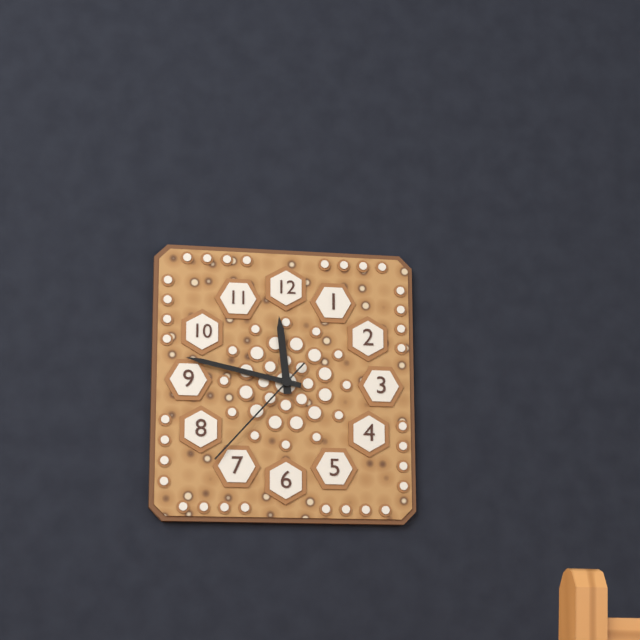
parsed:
11,47,37
